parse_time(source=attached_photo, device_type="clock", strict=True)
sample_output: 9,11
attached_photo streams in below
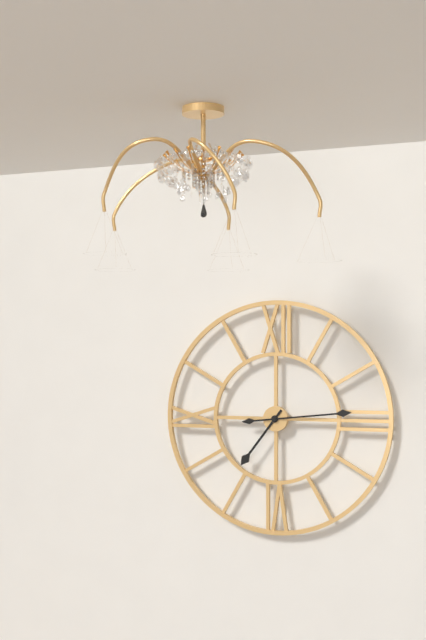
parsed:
7,14
